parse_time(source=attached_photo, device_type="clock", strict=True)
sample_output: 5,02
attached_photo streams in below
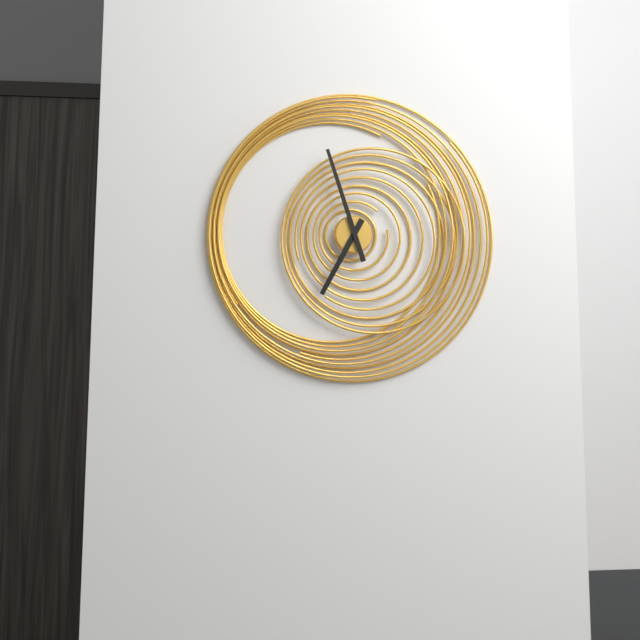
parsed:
6,57
